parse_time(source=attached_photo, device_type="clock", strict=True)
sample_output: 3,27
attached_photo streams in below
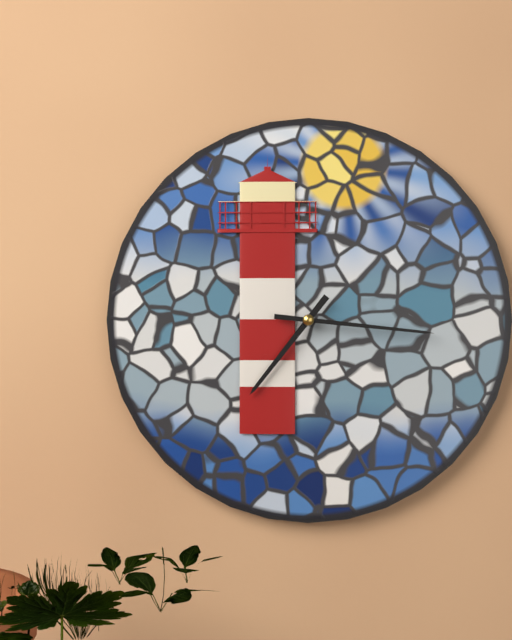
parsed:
7,16
